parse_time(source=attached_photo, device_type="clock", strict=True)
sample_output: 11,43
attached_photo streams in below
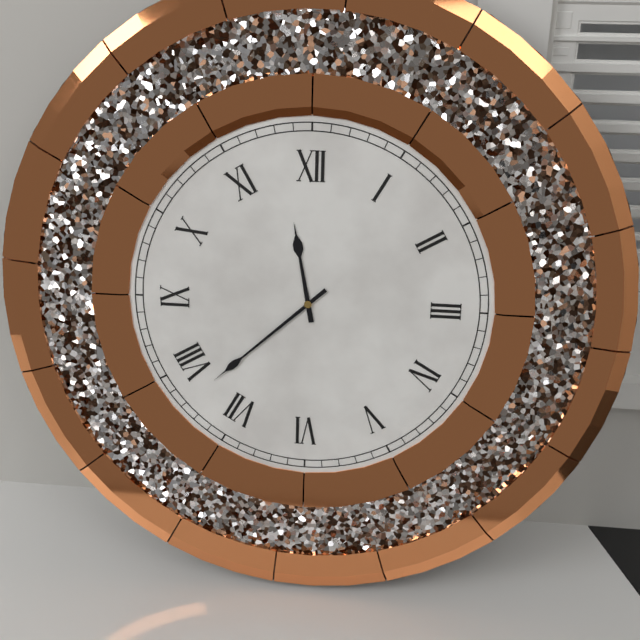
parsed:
11,38
